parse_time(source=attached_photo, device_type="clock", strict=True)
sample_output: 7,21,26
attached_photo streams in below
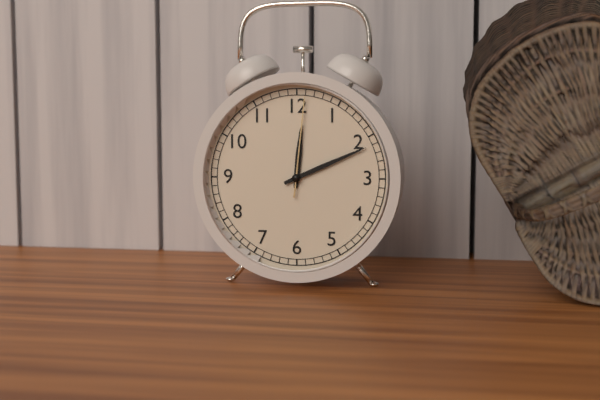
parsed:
12,11,01
